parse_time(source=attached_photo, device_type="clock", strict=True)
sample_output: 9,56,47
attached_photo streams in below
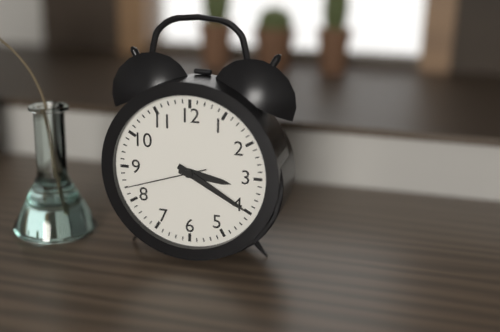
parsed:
3,20,42
